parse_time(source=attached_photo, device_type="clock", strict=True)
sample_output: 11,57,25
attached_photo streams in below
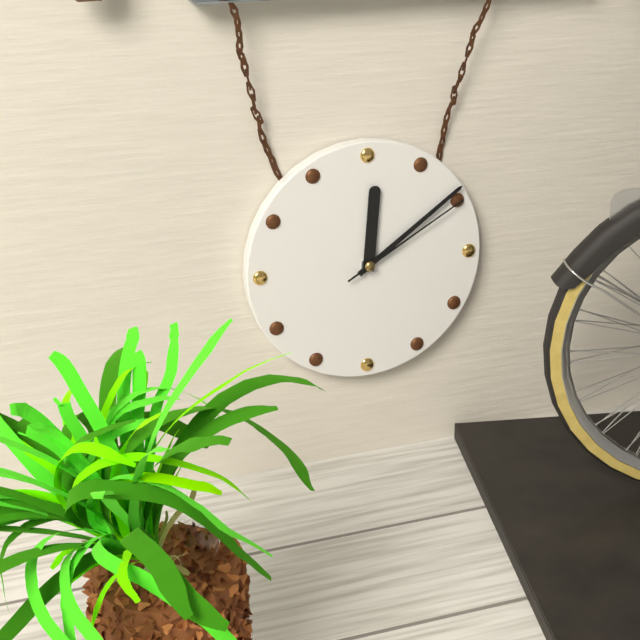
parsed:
12,09,10
